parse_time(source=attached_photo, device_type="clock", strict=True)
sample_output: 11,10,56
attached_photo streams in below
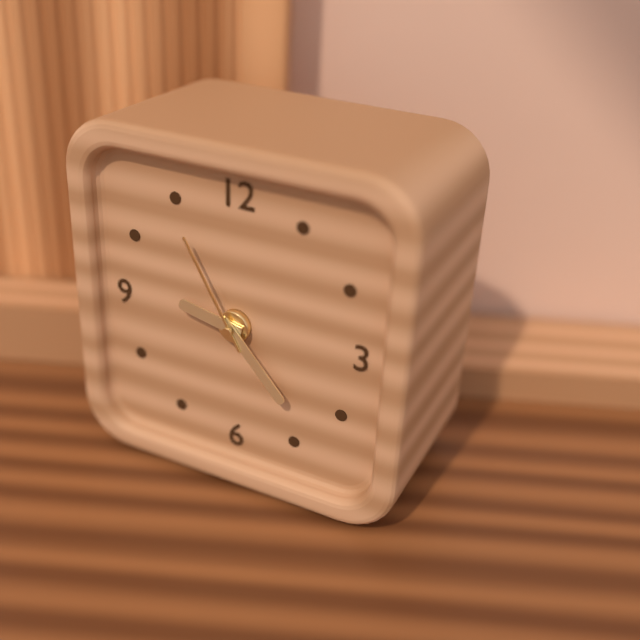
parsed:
9,23,55
